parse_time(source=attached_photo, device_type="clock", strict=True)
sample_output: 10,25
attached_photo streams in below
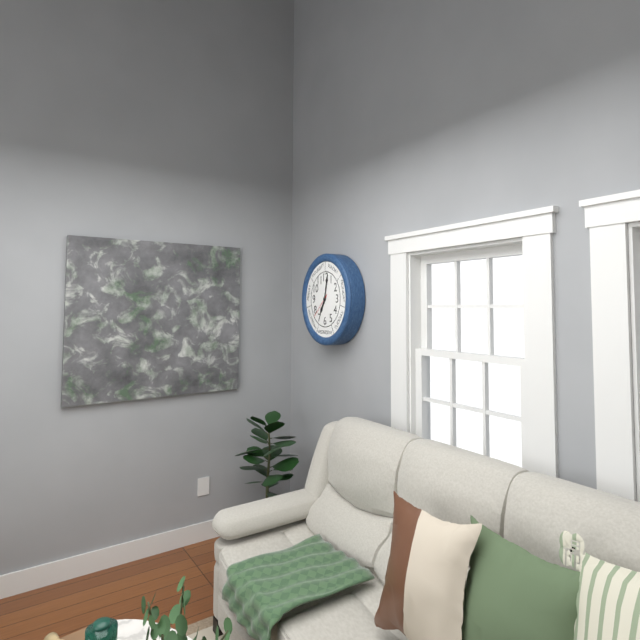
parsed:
7,02
